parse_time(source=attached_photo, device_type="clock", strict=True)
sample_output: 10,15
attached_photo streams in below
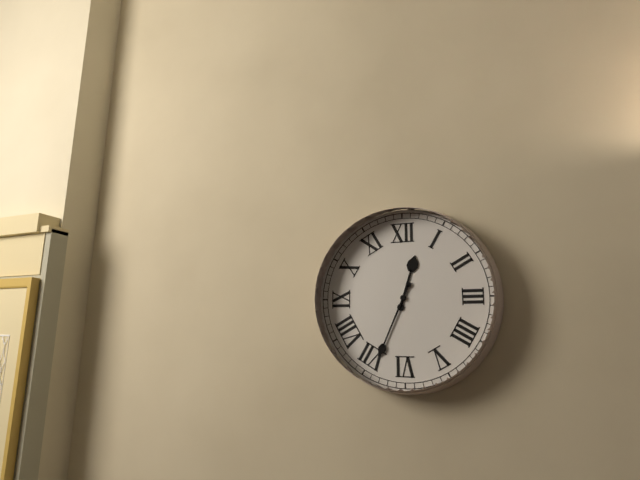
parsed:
12,34
